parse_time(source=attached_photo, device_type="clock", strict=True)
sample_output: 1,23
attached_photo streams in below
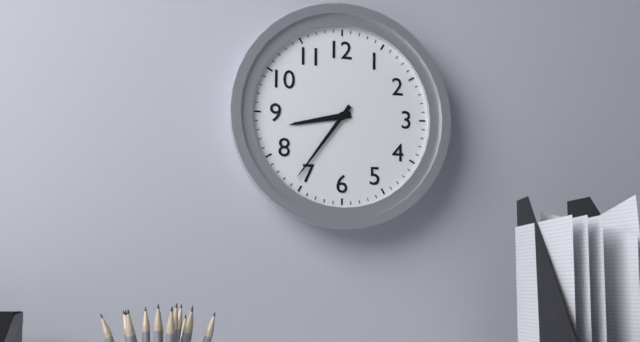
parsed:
8,36
